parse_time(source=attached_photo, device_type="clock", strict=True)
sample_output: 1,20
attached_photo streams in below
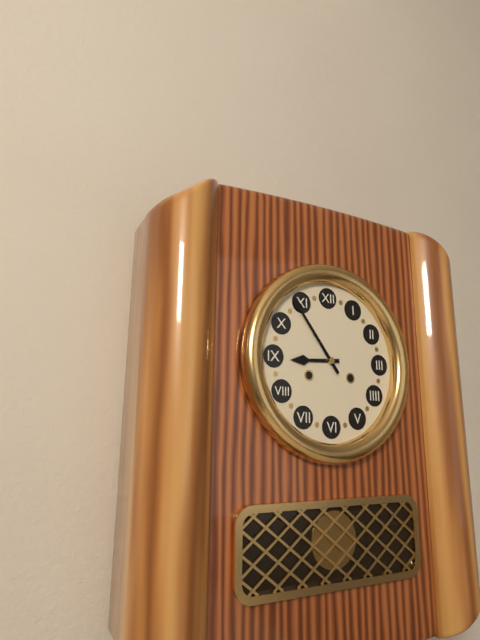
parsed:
8,54
